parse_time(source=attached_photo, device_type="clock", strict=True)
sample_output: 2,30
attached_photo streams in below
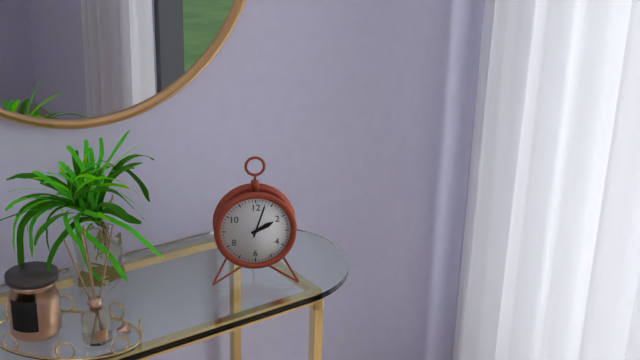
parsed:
2,03
